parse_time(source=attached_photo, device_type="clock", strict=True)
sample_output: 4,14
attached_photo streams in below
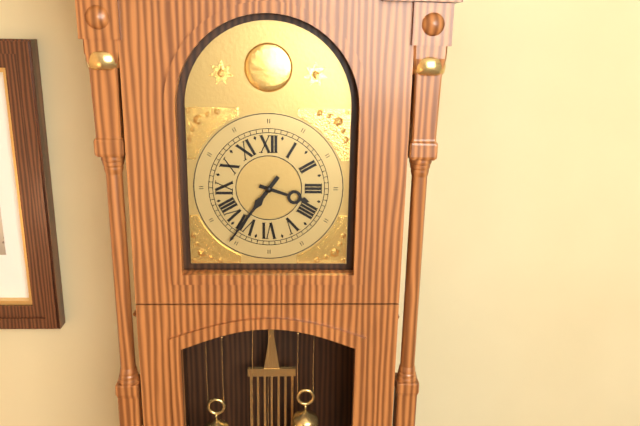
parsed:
3,36
